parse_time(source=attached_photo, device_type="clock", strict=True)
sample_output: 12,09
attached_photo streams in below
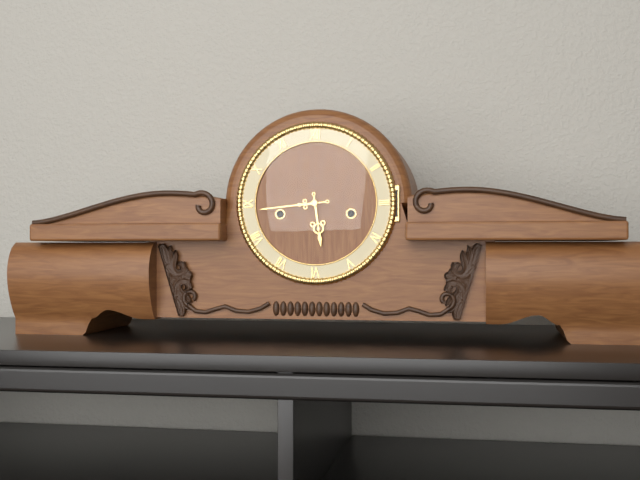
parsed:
5,44
